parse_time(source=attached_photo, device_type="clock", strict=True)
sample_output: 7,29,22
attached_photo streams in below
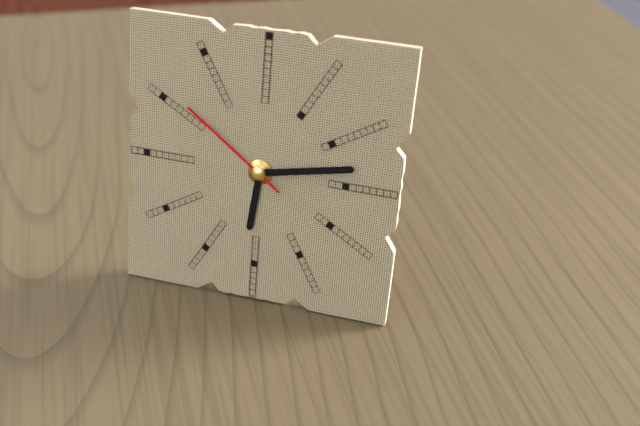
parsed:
6,13,51
